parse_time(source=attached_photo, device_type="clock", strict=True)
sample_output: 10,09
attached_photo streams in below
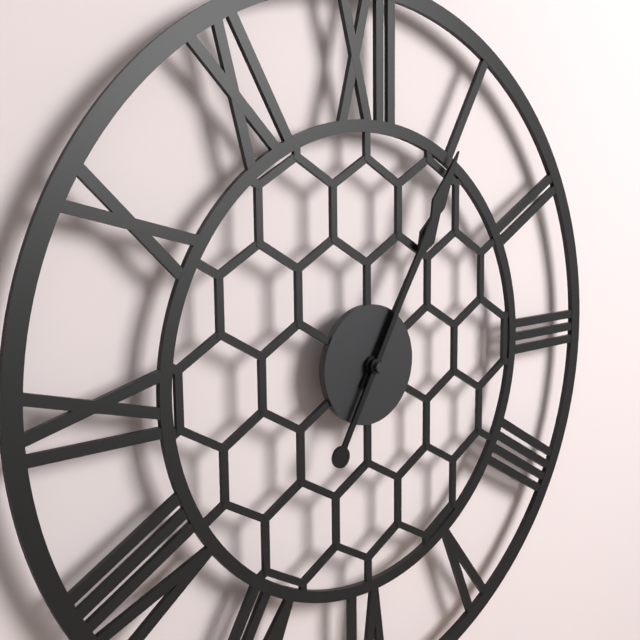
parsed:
1,05
